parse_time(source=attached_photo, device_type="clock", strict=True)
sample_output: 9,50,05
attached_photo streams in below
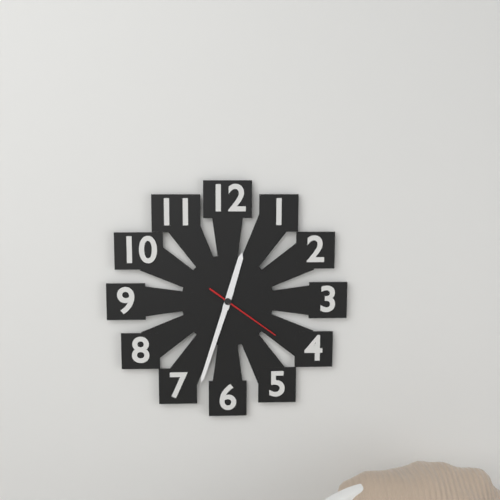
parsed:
12,33,21
